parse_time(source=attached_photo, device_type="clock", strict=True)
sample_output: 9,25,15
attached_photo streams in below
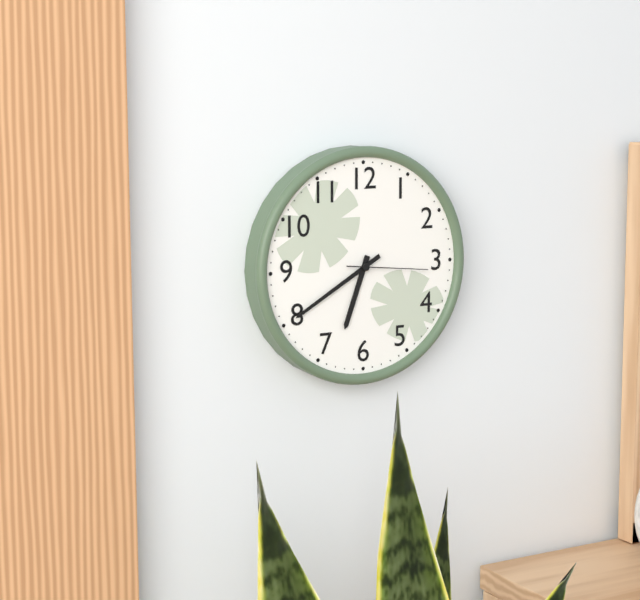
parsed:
6,40,16
